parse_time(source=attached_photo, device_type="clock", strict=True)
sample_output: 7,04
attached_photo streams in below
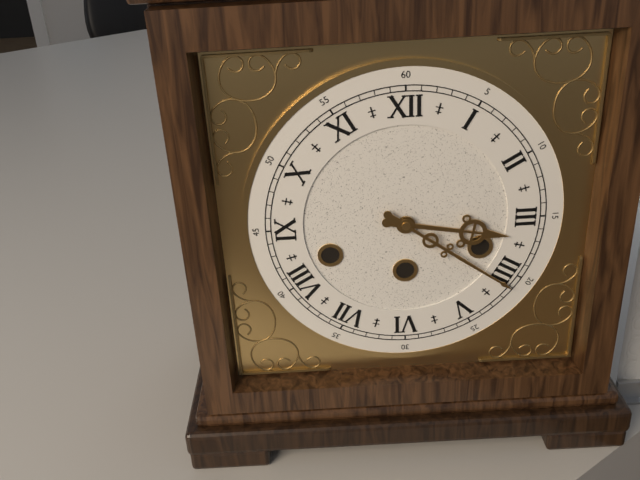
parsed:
3,21
